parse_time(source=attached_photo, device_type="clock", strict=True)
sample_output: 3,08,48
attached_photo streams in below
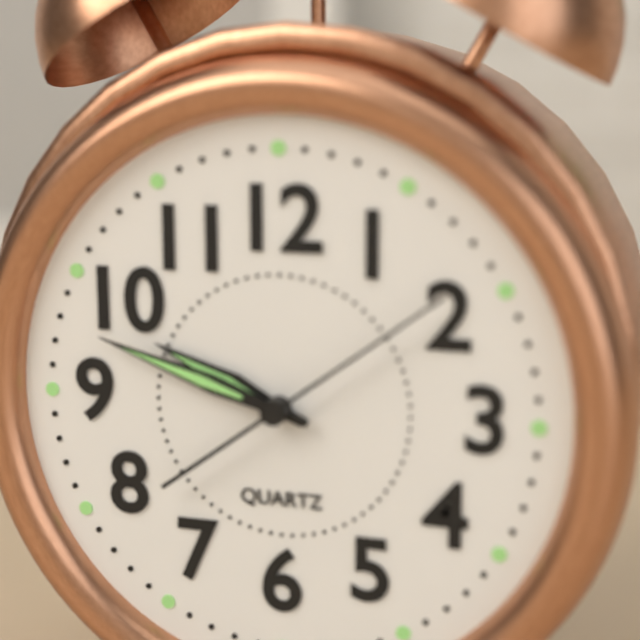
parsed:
9,48,09
